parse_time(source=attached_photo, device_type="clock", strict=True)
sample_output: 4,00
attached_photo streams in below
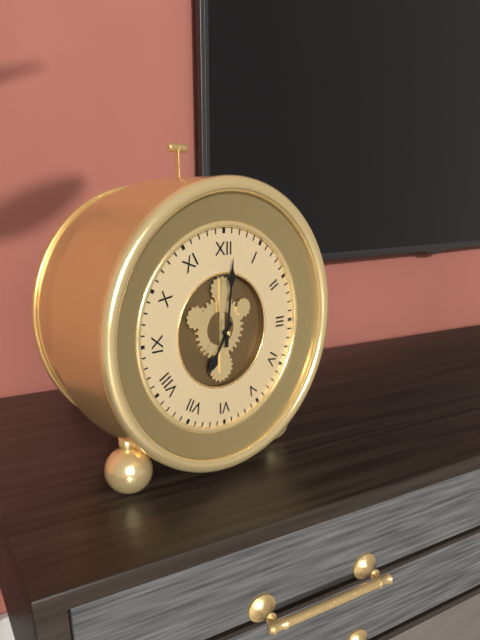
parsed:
7,01
